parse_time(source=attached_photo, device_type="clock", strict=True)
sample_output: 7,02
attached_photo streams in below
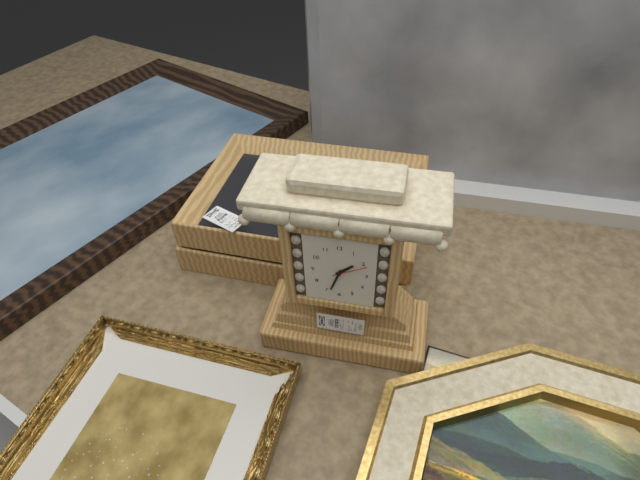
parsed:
1,33
